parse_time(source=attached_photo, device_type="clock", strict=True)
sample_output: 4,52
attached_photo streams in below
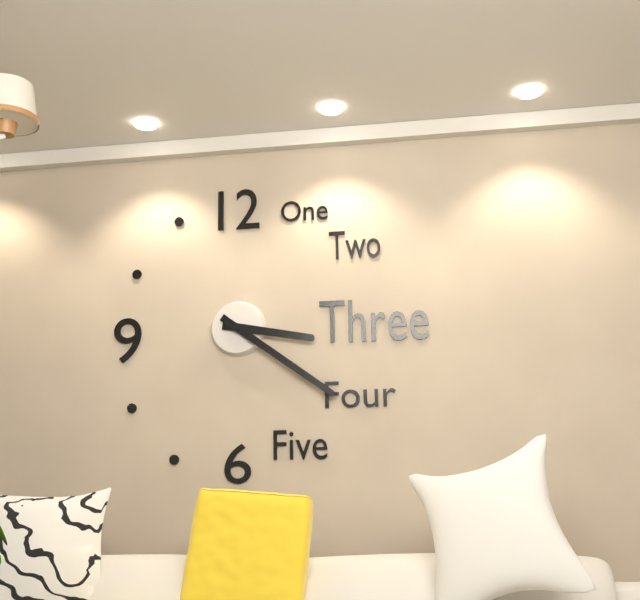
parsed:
3,21
